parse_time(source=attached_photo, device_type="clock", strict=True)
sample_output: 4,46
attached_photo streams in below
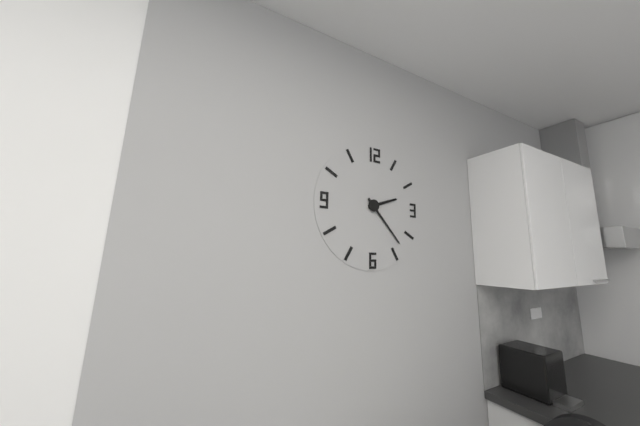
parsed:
2,23
